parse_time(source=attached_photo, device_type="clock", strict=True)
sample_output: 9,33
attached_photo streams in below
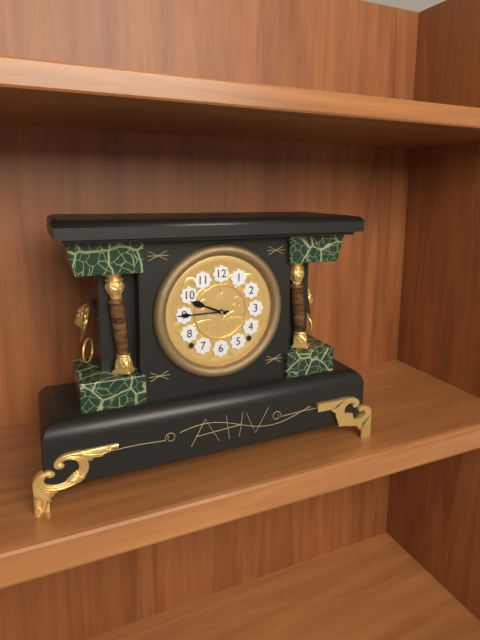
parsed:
9,45
